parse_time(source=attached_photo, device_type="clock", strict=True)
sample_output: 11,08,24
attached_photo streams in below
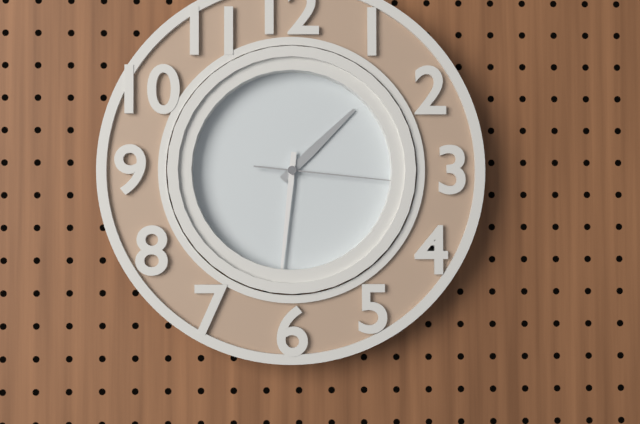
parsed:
1,31,16
